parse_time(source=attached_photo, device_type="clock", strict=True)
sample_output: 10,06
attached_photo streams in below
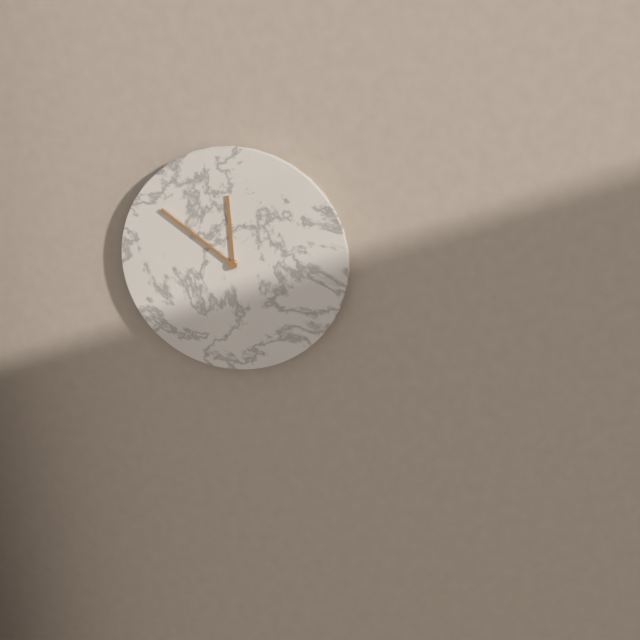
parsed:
11,51
